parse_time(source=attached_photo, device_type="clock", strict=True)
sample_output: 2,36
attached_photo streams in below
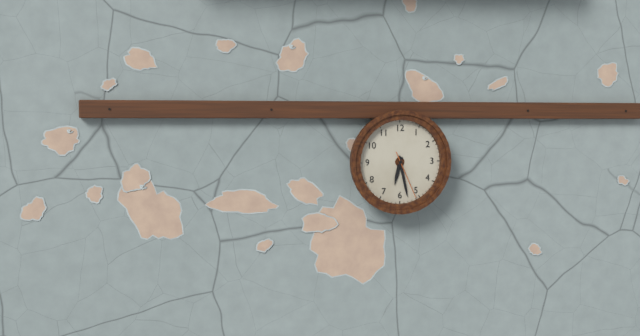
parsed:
6,28
